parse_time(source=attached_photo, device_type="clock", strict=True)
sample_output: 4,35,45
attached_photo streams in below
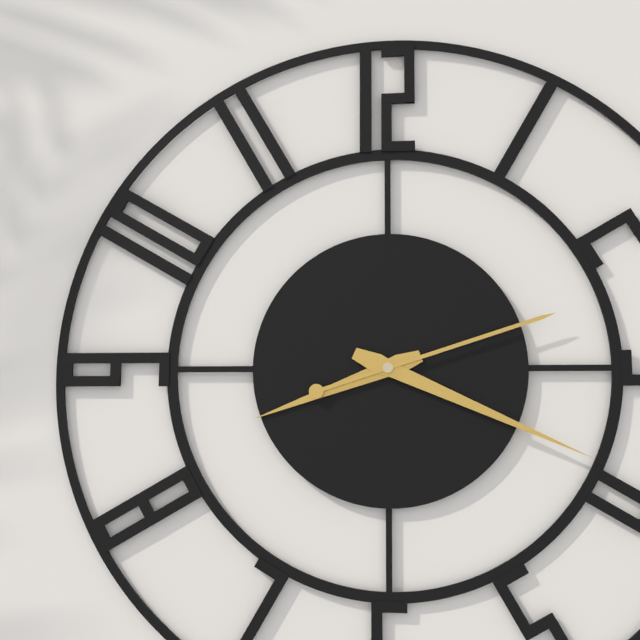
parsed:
8,19,12
